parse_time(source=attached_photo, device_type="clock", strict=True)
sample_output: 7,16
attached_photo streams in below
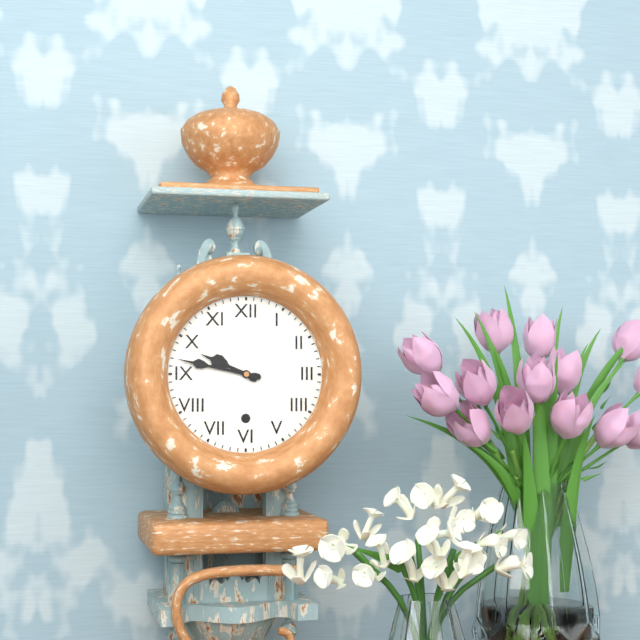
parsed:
9,47
